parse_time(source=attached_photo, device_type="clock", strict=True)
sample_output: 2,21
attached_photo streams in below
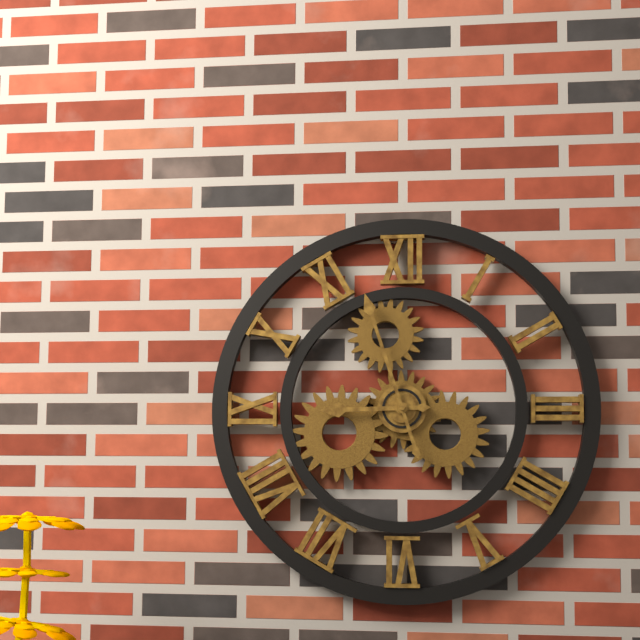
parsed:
8,57
